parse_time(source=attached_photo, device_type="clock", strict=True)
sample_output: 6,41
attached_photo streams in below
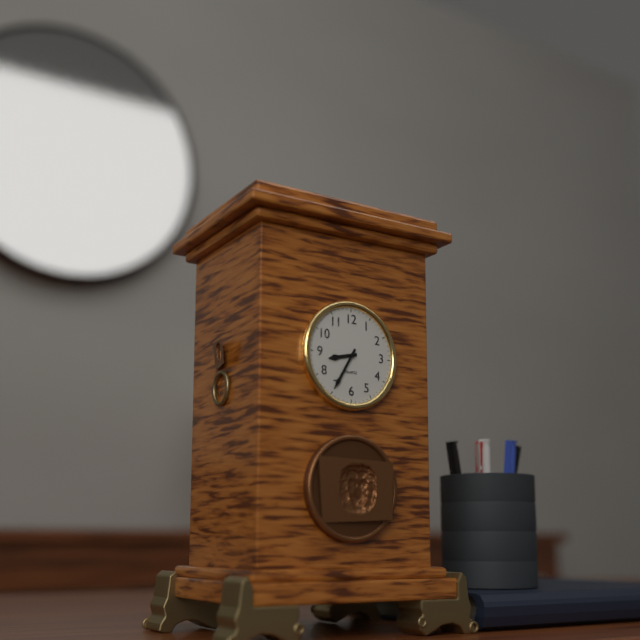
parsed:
8,35
